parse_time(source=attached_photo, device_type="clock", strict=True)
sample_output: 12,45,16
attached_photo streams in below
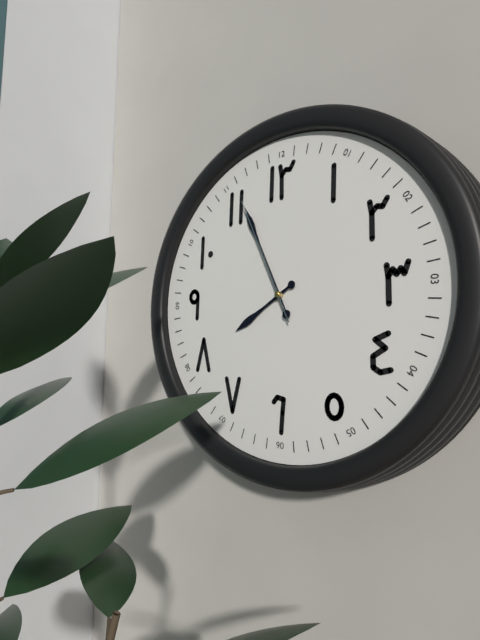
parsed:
7,56,56
